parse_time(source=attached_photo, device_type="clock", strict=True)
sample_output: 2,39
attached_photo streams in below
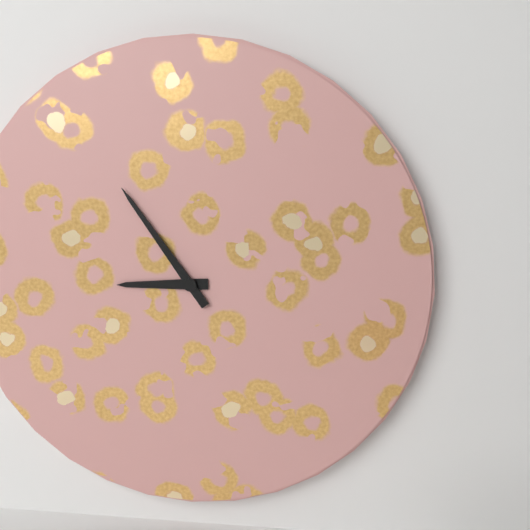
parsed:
8,54
